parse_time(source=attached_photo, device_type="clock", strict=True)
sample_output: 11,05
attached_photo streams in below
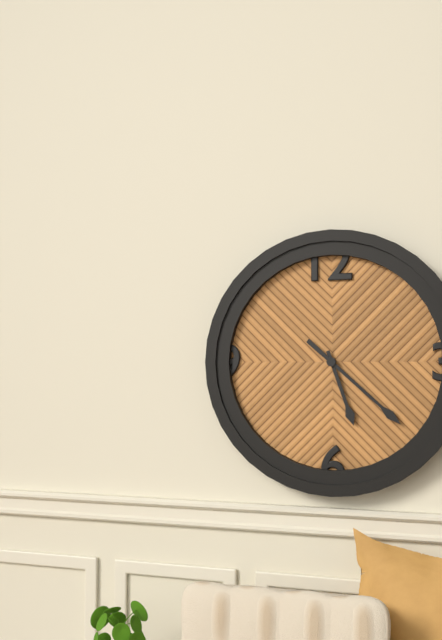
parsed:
5,22
